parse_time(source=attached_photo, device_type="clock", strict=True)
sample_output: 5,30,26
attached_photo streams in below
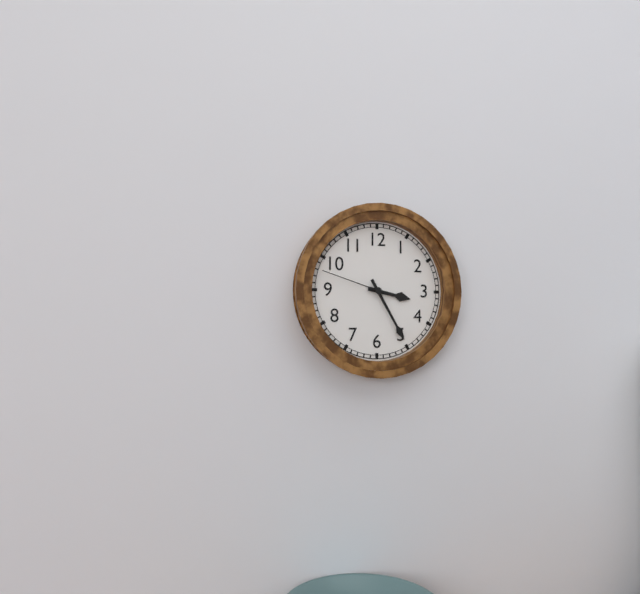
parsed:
3,25,48
